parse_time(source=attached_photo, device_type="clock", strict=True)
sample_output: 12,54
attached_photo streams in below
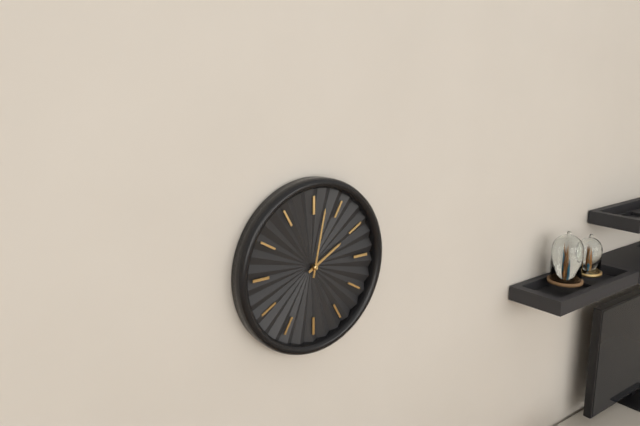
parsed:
2,02
